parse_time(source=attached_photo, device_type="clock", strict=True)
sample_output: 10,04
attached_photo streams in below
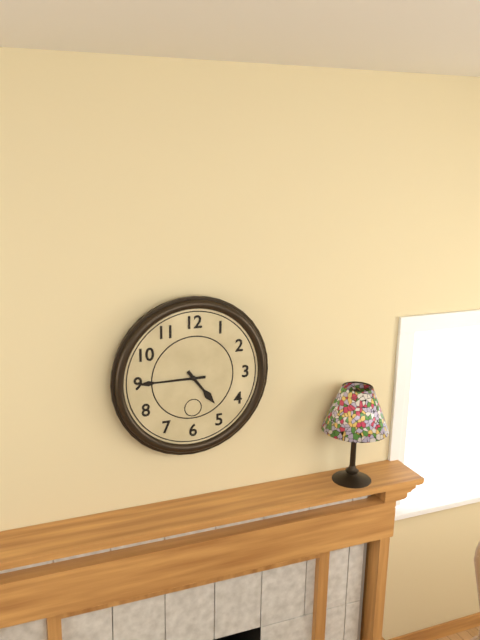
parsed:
4,45
